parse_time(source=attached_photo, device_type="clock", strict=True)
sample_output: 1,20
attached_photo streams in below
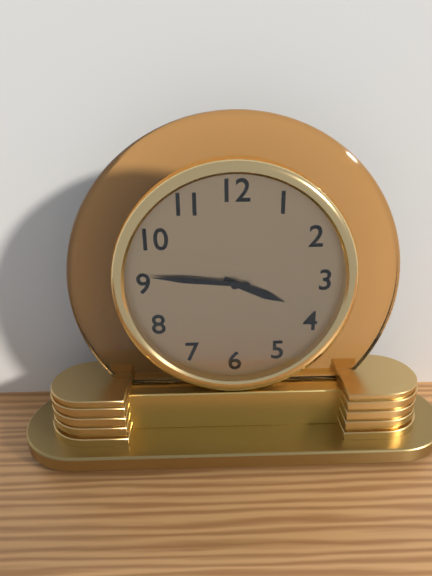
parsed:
3,46
